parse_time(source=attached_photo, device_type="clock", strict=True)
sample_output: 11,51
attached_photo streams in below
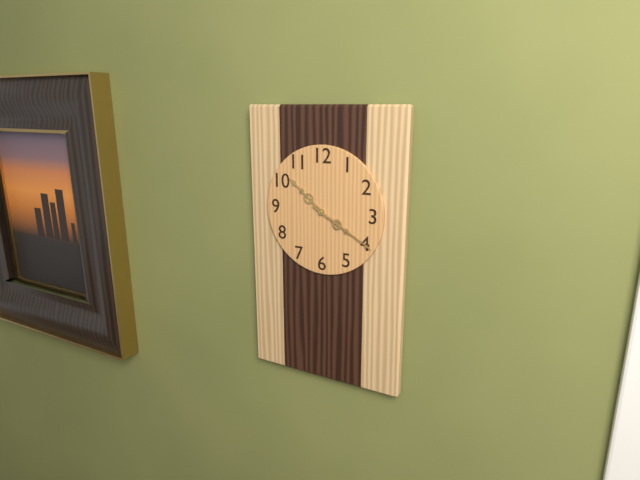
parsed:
10,20
